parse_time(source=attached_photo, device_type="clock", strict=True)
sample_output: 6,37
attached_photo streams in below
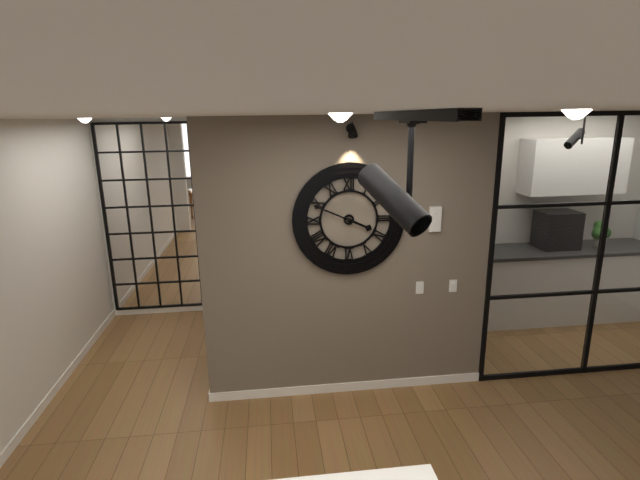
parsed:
3,49
